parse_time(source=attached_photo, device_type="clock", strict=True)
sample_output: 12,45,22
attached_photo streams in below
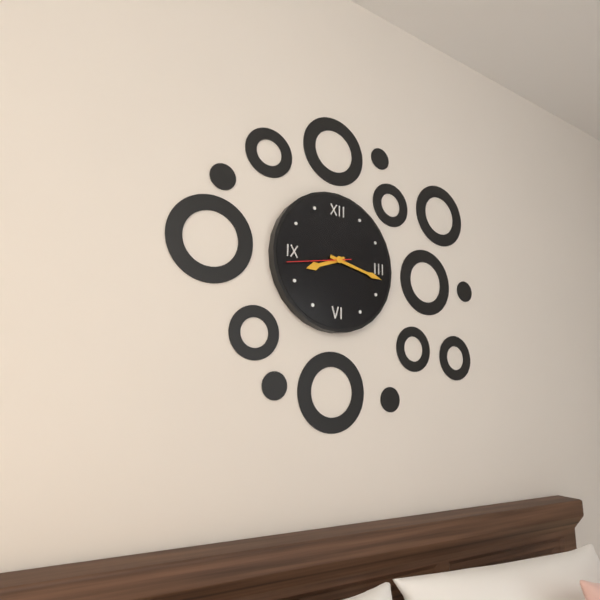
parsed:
8,17,43
